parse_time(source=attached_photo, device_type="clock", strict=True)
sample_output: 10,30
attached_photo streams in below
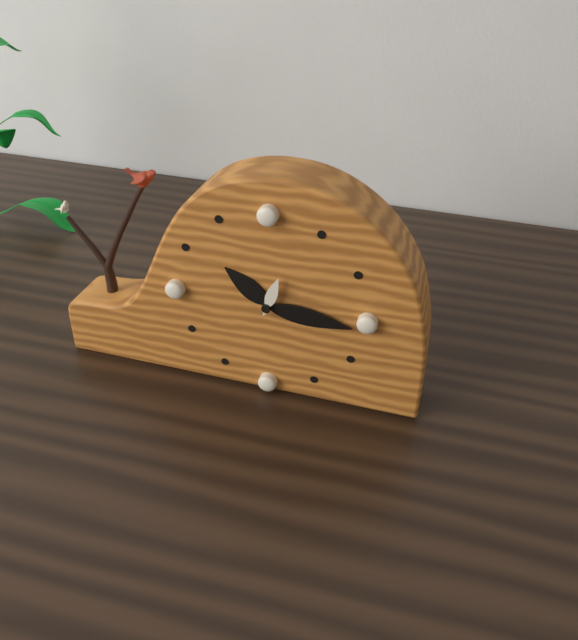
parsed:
10,16
